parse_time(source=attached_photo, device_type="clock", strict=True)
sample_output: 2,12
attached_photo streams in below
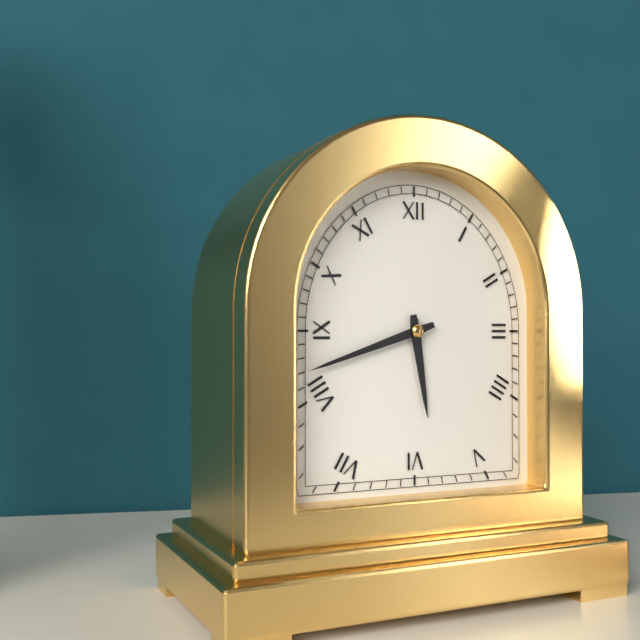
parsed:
5,42
